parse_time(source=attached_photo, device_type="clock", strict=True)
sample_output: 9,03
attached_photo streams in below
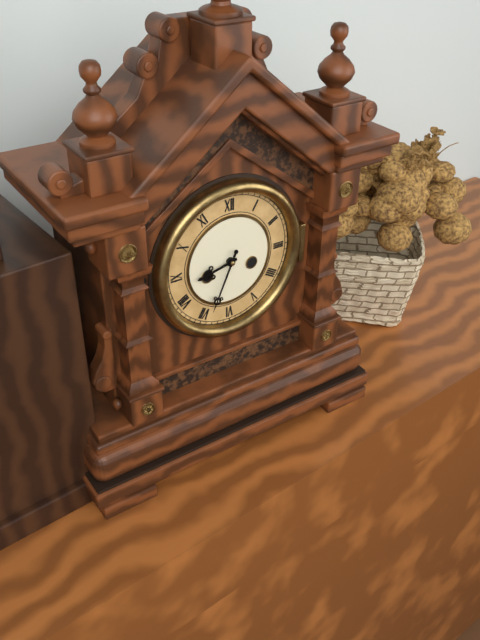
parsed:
8,34
